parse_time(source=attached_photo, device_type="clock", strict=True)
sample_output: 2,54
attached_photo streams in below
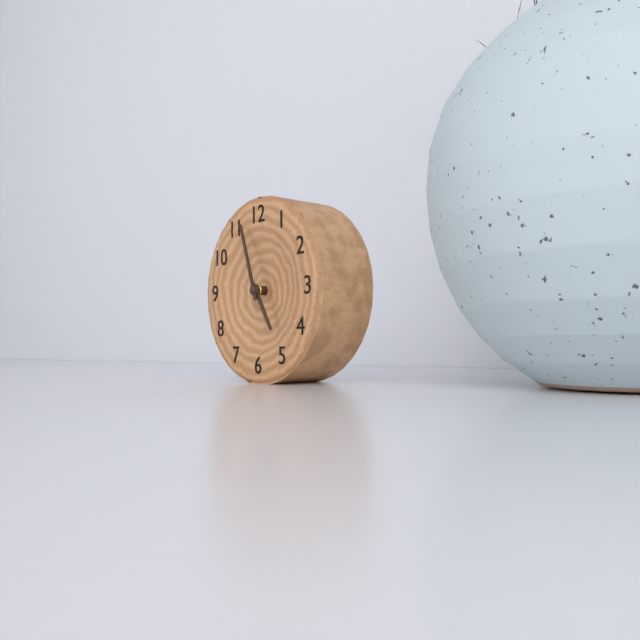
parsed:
4,57
